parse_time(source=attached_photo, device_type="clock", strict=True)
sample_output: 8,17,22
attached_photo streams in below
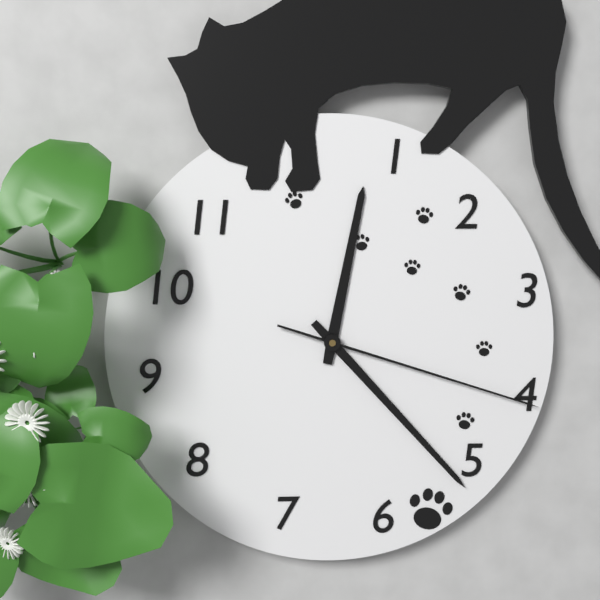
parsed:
12,23,18
